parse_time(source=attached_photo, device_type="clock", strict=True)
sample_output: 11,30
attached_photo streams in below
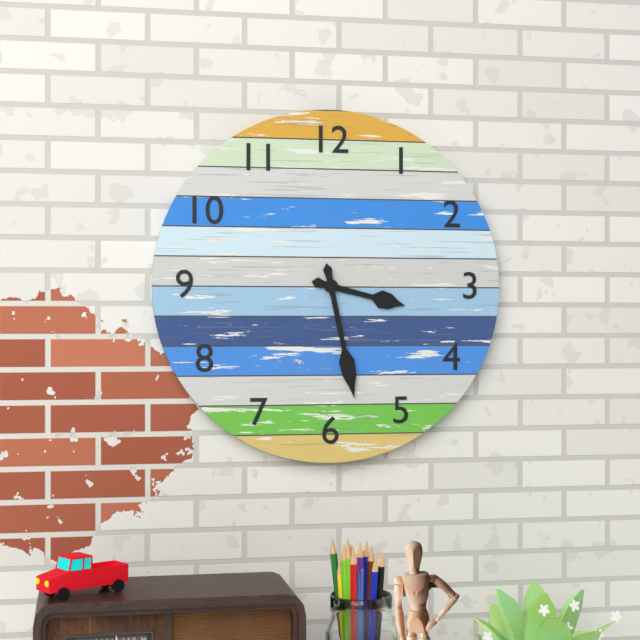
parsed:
3,28
